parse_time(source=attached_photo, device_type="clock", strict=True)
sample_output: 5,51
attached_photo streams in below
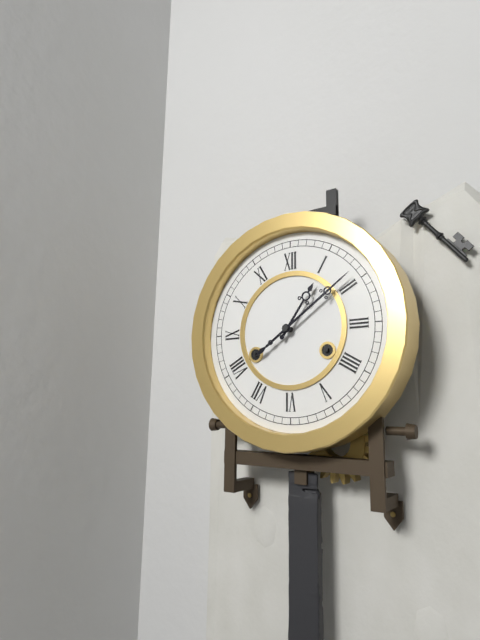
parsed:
1,09
